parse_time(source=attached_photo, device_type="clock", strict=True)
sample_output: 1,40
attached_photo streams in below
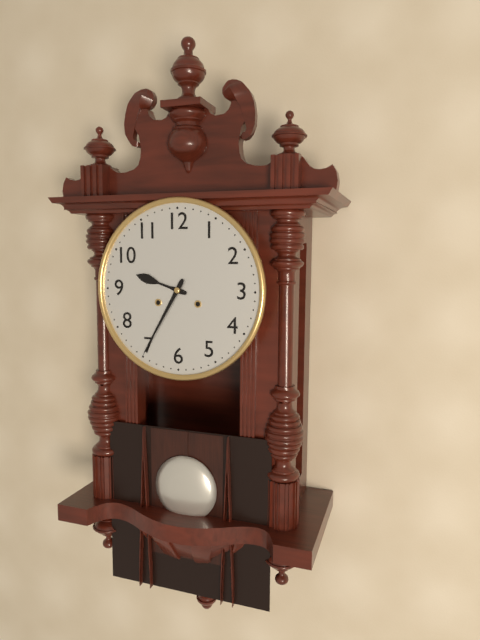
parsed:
9,35
